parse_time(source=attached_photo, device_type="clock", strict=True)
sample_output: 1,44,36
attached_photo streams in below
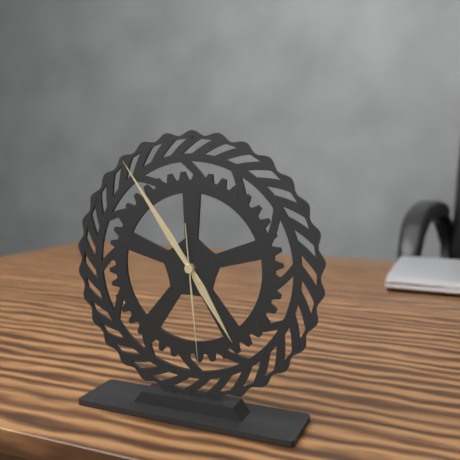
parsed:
4,54,29
